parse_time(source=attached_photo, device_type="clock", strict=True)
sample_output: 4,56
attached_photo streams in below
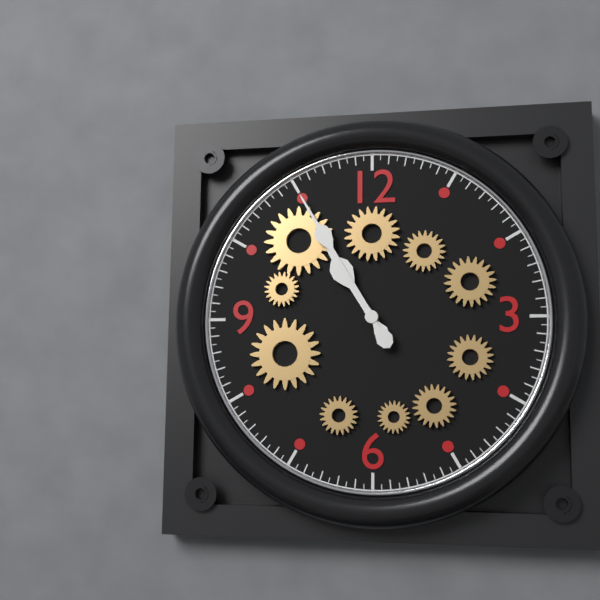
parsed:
10,55
